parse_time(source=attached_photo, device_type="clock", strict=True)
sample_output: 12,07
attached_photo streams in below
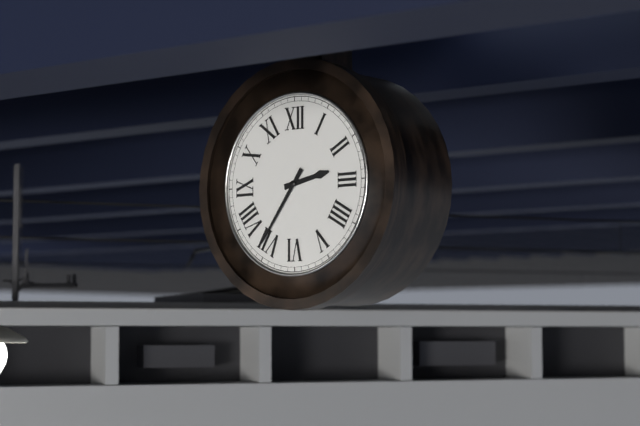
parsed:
2,36
